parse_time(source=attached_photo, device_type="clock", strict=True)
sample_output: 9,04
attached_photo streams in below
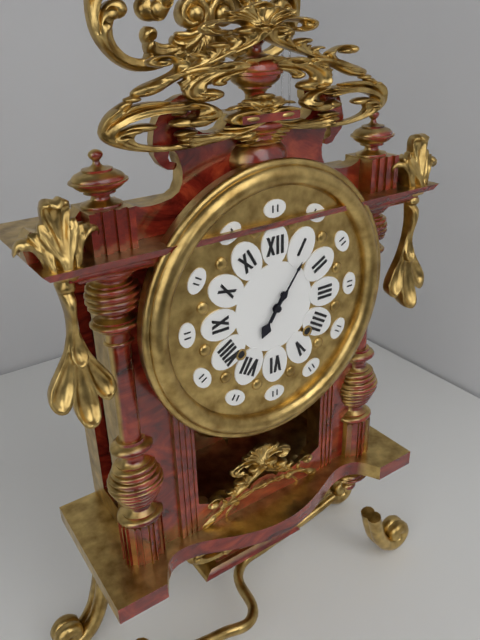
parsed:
7,06
